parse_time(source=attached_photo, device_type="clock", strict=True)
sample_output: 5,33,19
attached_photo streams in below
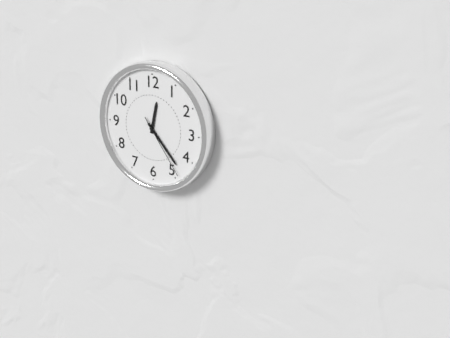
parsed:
12,23,24
